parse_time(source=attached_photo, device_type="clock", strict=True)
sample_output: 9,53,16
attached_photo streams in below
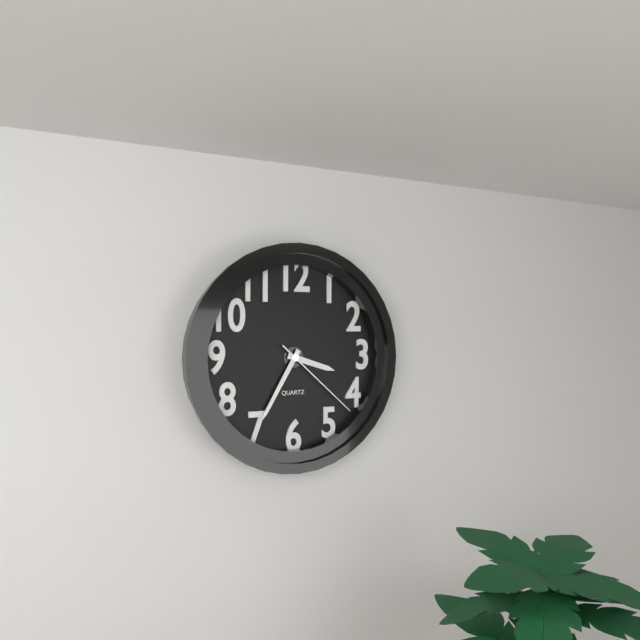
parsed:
3,35,22
